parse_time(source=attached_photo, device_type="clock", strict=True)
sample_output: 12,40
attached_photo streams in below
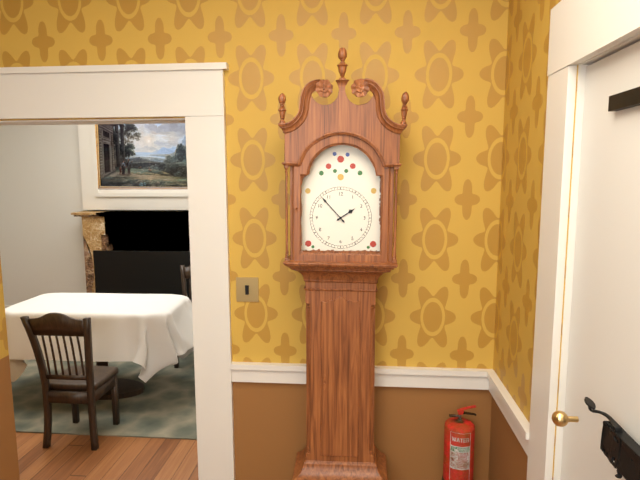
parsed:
1,53
